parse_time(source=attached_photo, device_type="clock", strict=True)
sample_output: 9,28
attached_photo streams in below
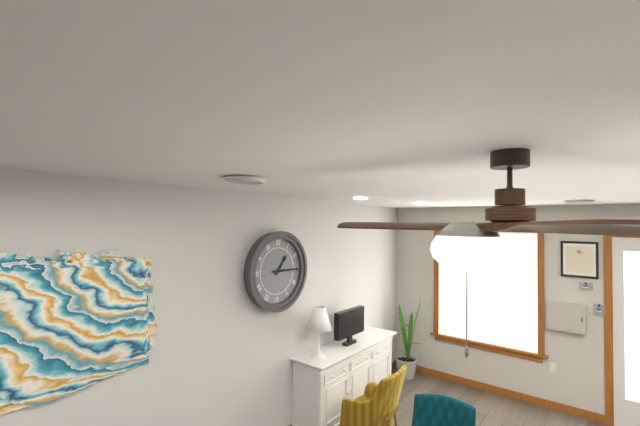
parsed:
1,15
